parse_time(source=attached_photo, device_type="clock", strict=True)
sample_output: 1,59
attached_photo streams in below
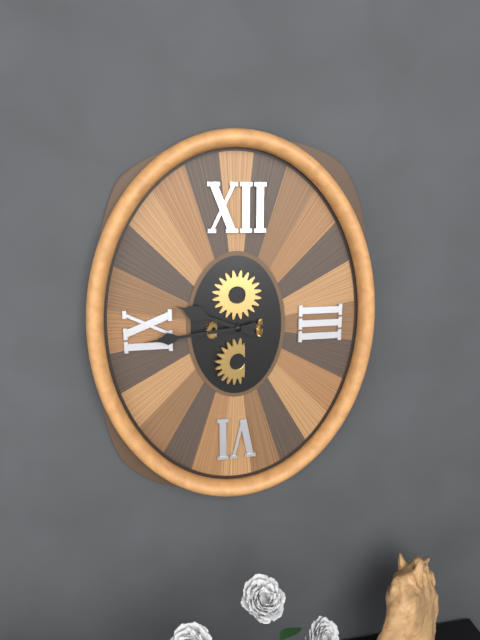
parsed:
9,44
